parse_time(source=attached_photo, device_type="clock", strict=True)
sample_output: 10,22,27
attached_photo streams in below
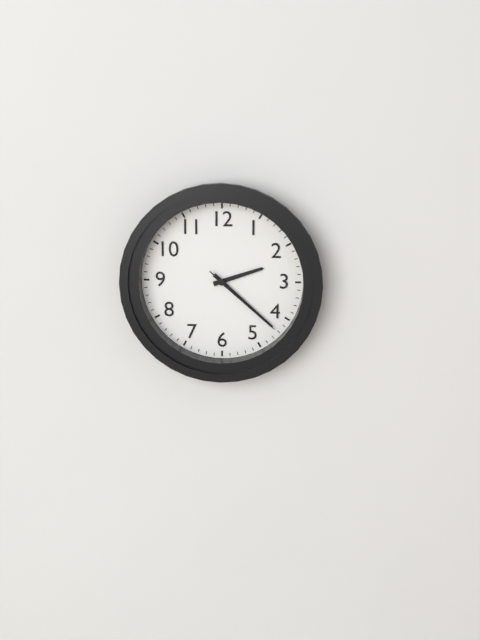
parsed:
2,22,22
